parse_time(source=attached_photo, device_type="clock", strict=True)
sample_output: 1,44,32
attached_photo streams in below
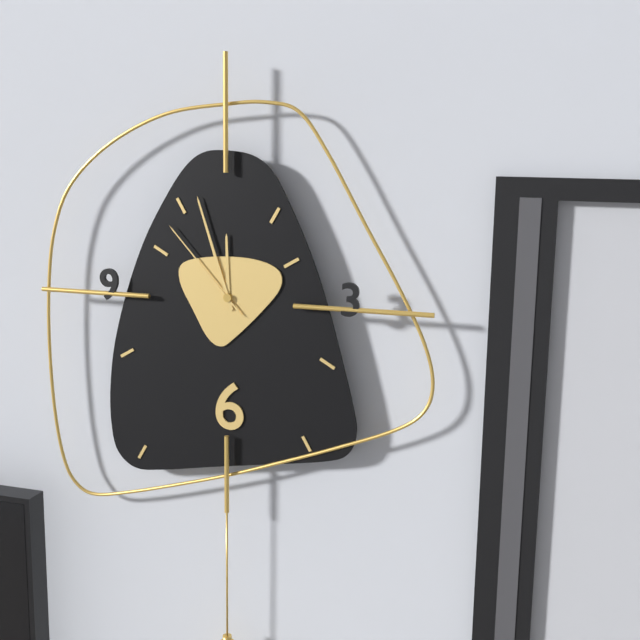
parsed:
11,57,53
